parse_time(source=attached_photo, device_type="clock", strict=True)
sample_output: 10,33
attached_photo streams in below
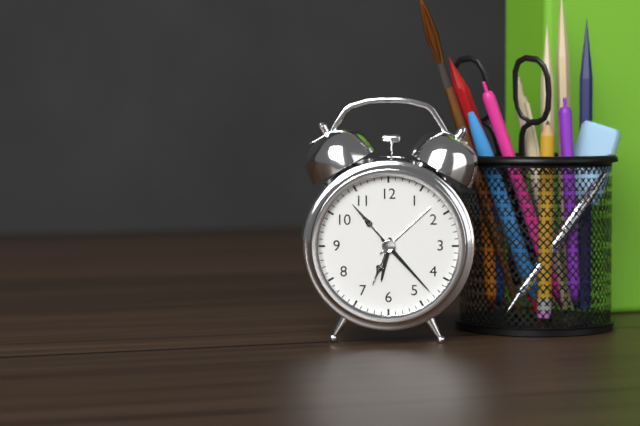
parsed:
6,23
